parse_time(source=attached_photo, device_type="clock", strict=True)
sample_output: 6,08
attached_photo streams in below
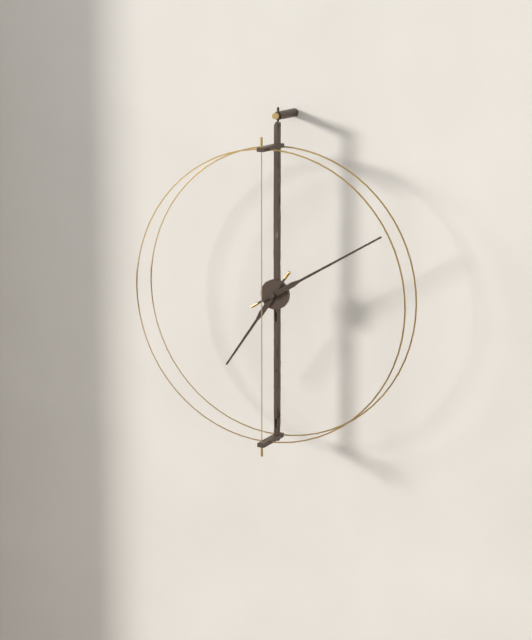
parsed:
7,10
